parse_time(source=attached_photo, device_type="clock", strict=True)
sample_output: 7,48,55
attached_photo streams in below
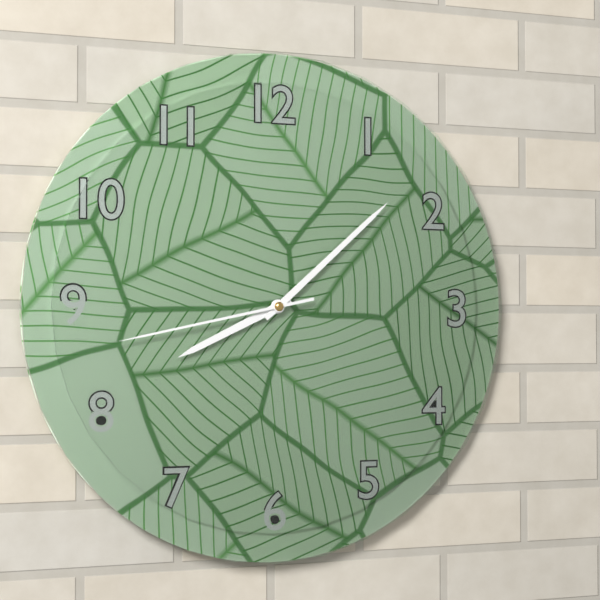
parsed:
8,08,43
